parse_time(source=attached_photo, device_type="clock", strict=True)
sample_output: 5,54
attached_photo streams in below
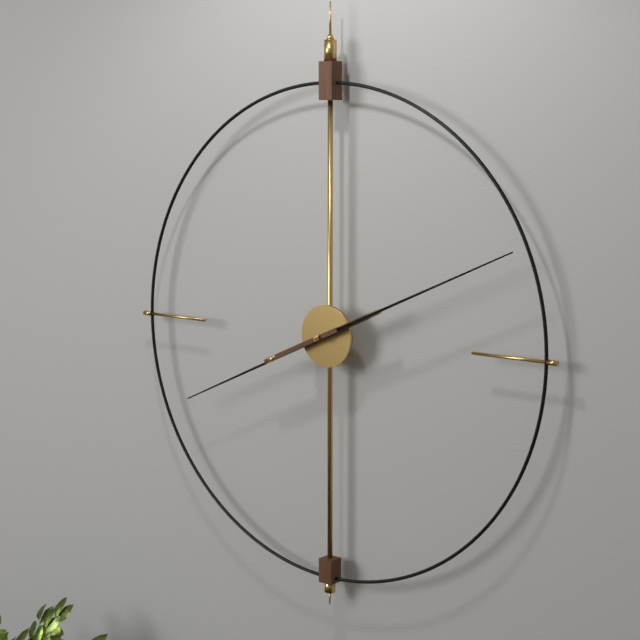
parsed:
8,11
